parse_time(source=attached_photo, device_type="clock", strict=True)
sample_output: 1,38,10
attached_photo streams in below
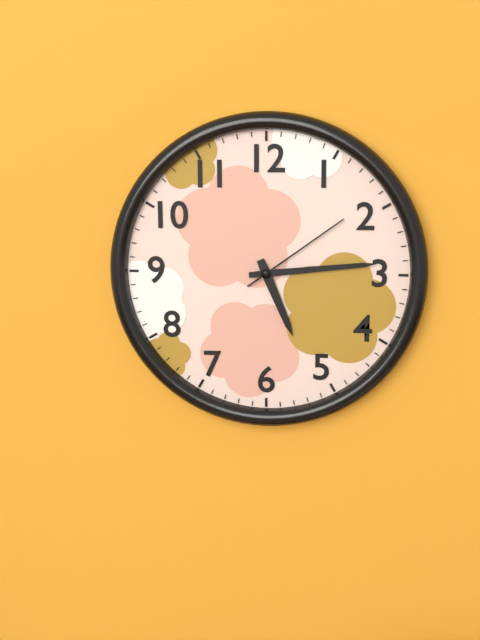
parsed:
5,14,09
